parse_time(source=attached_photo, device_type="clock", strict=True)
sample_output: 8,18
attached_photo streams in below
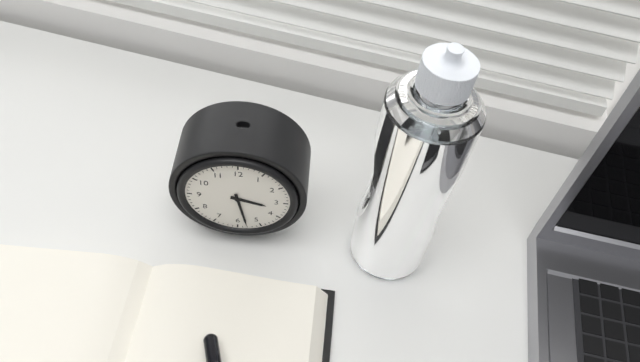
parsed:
3,28
